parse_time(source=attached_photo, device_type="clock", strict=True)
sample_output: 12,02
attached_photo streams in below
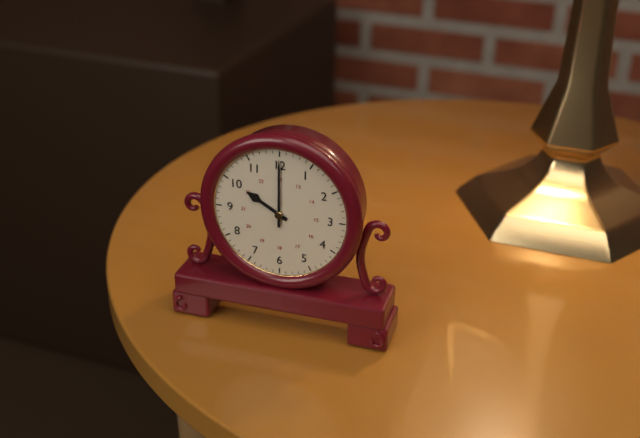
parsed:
10,00
